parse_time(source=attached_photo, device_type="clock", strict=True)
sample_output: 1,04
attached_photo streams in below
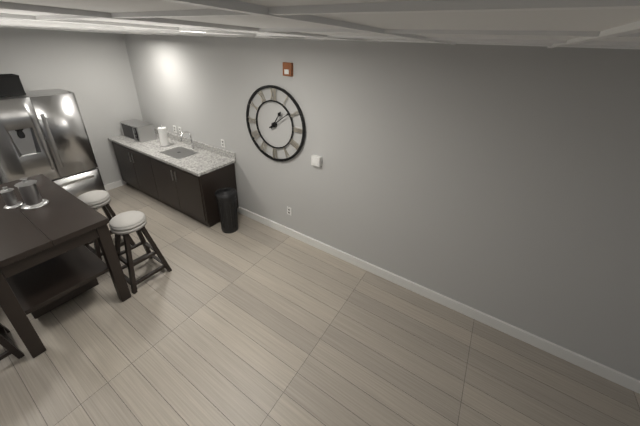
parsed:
1,09
